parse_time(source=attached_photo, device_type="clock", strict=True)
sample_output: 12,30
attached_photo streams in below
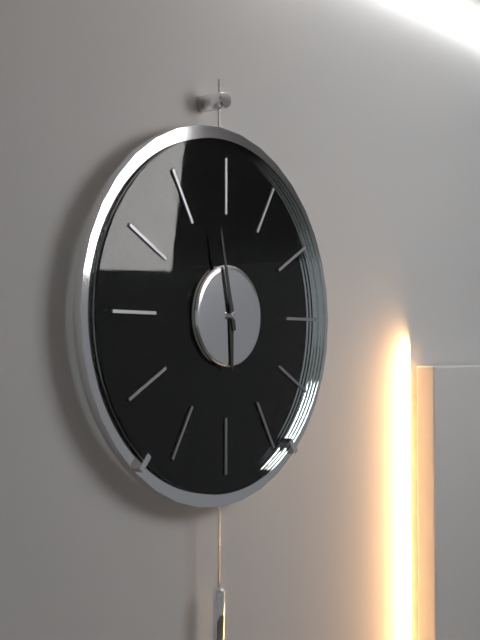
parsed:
5,58
